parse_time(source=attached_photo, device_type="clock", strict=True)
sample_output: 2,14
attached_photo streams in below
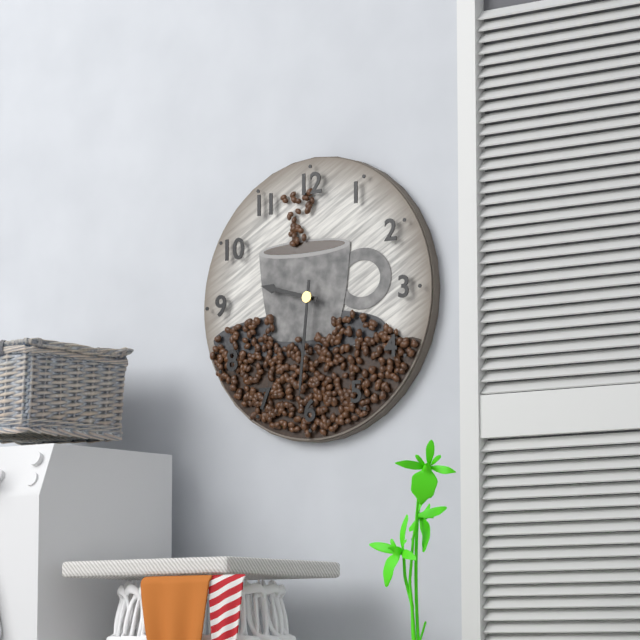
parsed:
9,31
